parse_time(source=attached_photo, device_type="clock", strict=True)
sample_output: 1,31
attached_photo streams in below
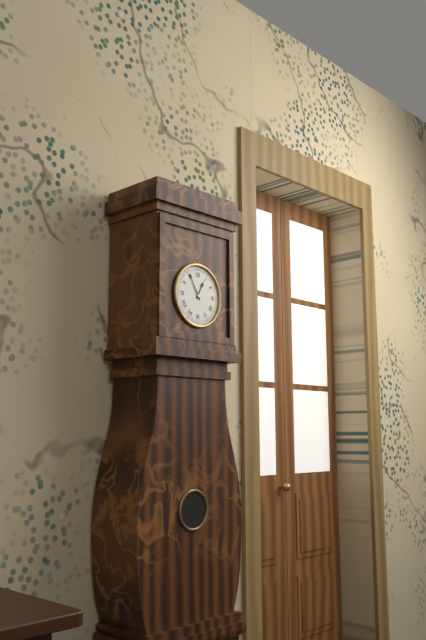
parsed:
12,55
